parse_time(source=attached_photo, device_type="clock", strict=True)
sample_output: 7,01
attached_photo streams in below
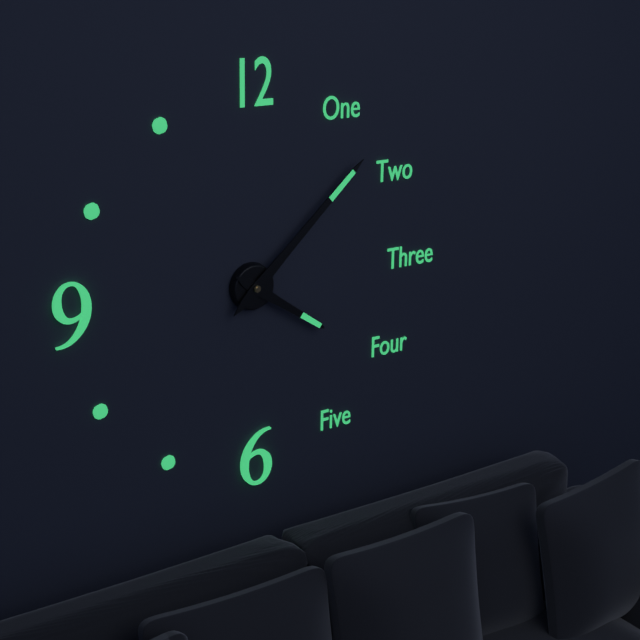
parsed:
4,08
